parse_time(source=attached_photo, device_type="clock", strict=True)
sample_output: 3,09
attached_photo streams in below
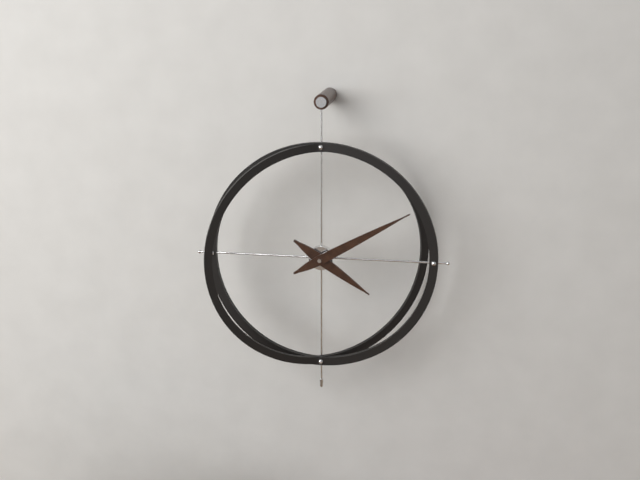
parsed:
4,10
